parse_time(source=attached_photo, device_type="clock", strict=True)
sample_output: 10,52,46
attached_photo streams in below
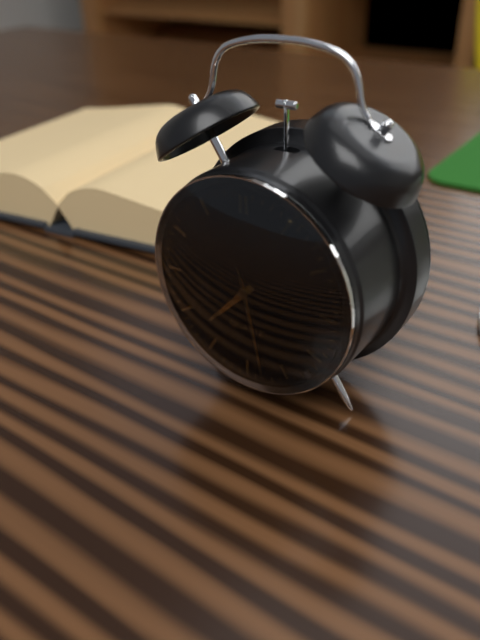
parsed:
7,28,28
